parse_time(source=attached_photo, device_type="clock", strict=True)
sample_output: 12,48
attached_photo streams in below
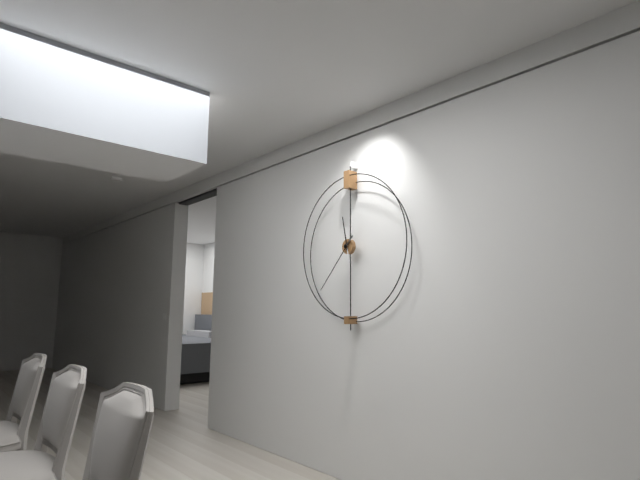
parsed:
11,37
